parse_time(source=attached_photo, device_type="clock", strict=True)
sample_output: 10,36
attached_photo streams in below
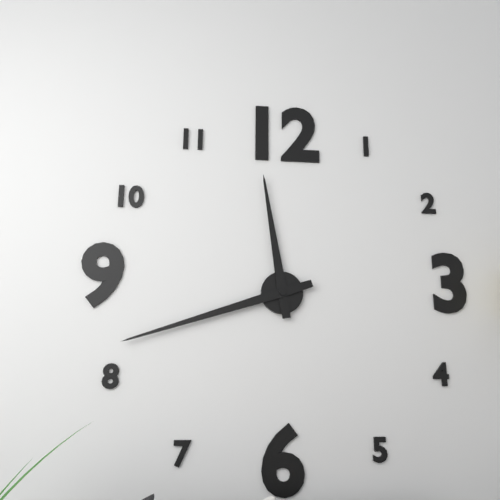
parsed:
11,42
